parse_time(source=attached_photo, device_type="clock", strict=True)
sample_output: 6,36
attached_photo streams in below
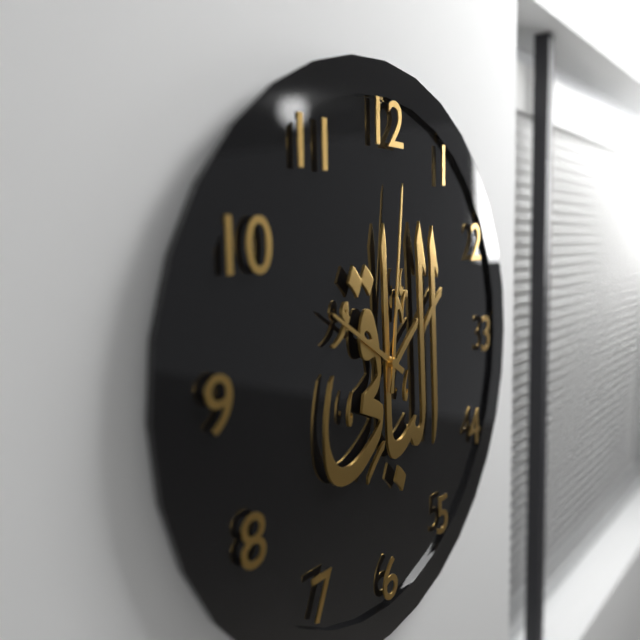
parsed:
10,01
